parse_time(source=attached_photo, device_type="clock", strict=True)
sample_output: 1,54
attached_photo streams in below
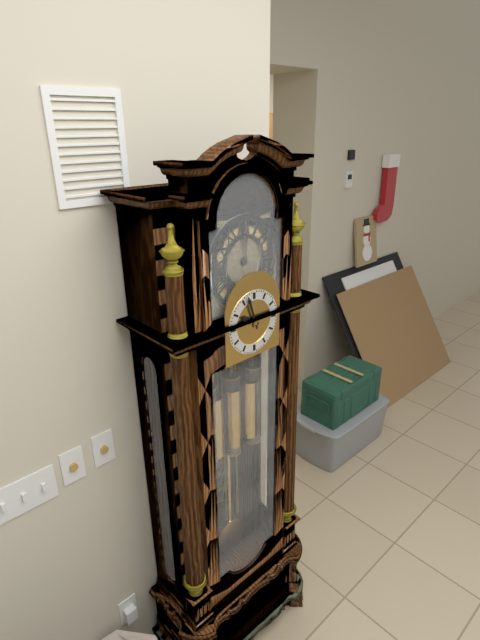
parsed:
9,57
